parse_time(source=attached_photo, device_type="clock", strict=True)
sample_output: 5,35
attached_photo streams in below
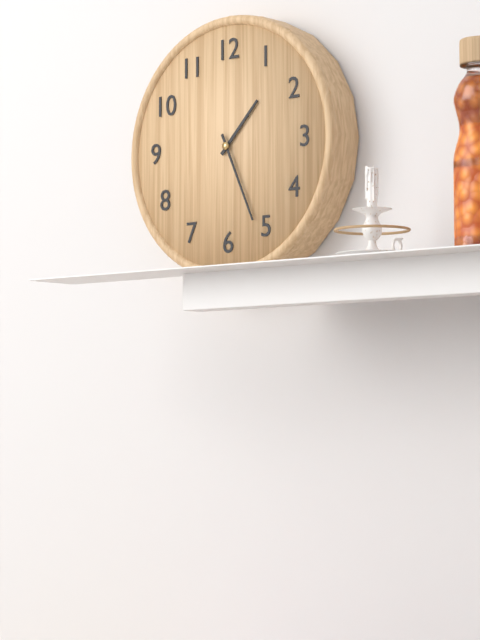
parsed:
1,26
